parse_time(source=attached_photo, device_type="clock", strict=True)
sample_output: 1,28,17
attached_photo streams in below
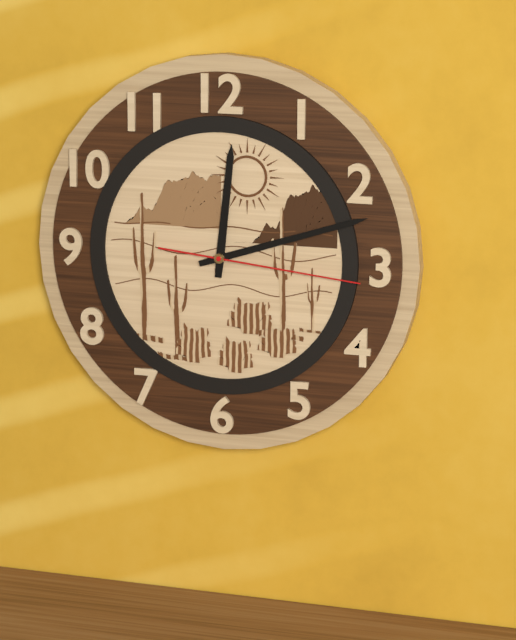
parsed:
12,12,16
